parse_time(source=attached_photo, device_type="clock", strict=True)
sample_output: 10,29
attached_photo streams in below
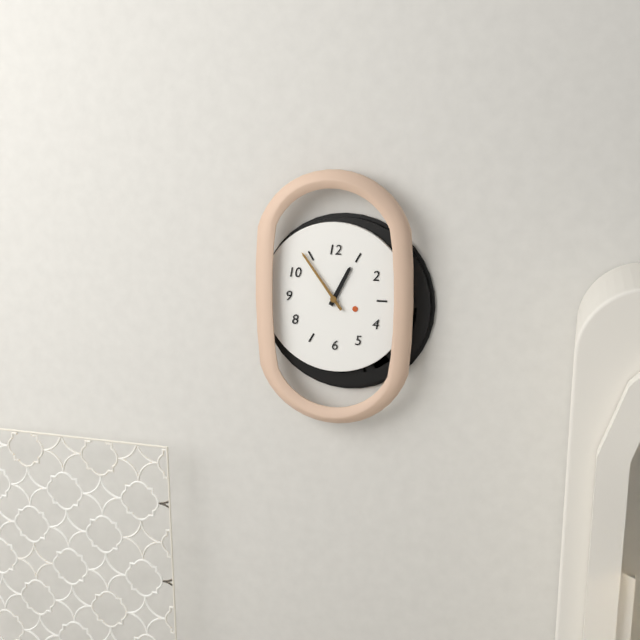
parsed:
12,54
